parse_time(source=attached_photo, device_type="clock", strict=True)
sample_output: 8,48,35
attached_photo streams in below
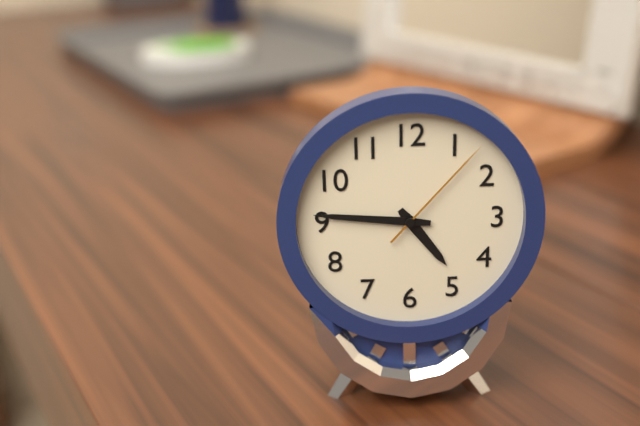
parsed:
4,46,07
